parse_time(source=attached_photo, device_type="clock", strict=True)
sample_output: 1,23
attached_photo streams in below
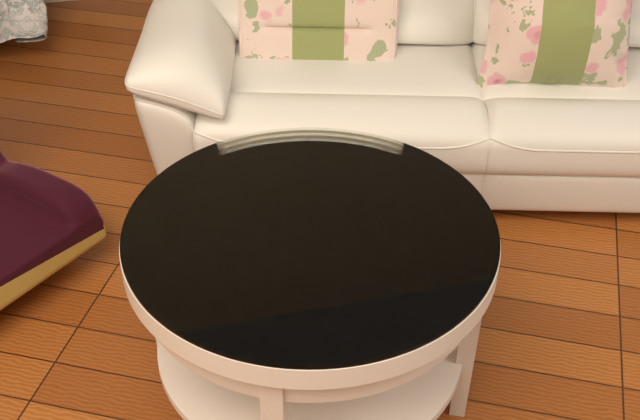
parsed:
11,28
